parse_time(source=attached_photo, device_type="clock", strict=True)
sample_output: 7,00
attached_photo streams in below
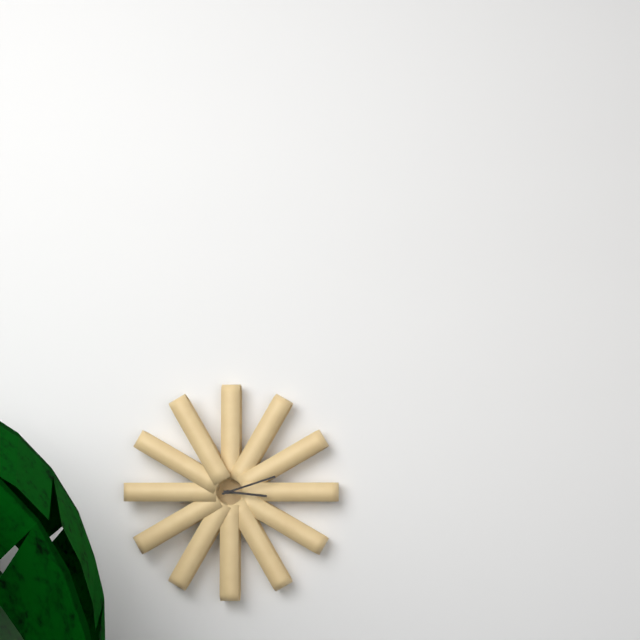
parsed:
3,12
